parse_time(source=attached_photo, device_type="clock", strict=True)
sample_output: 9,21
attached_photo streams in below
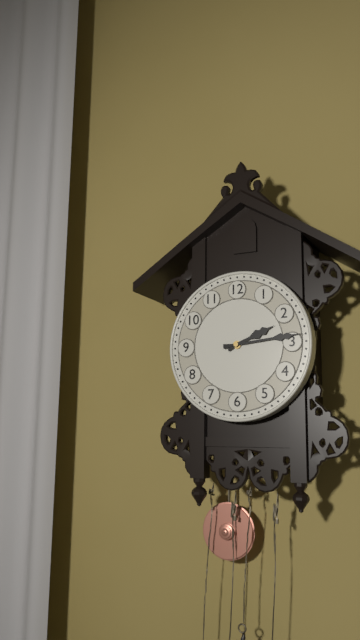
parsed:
2,14
